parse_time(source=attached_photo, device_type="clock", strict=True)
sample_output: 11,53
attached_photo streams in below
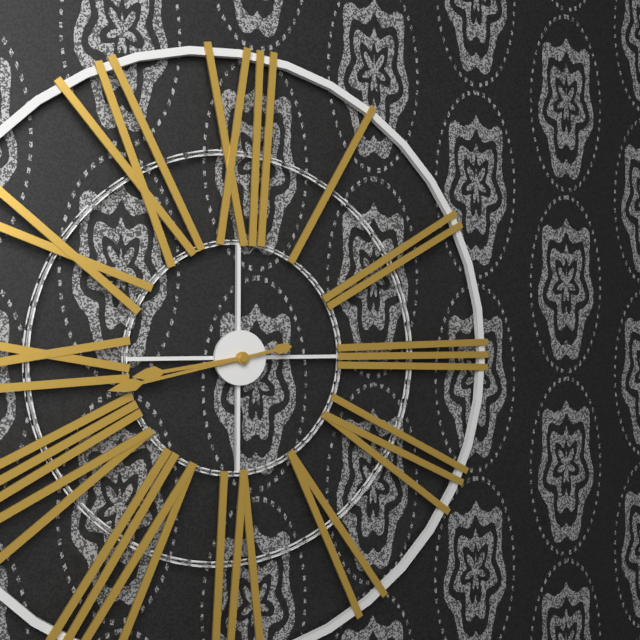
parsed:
8,43
